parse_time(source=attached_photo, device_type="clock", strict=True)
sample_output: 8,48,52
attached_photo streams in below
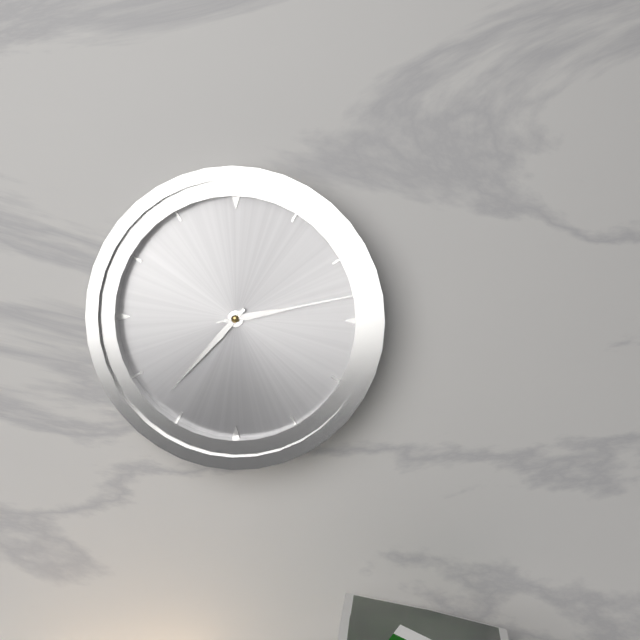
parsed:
2,37,13
